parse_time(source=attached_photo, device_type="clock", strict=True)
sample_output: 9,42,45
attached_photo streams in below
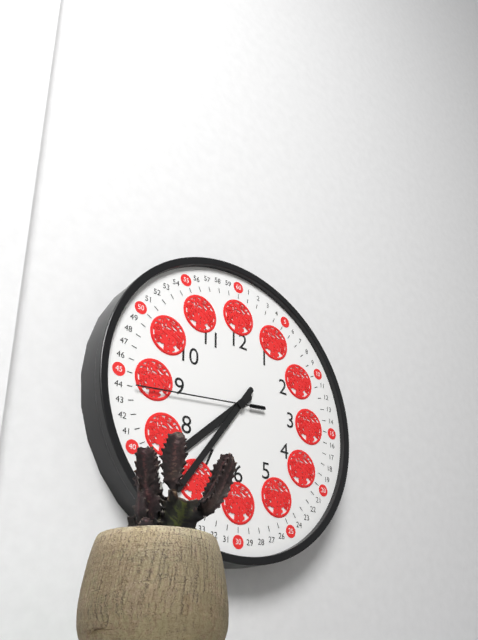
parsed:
7,36,44
